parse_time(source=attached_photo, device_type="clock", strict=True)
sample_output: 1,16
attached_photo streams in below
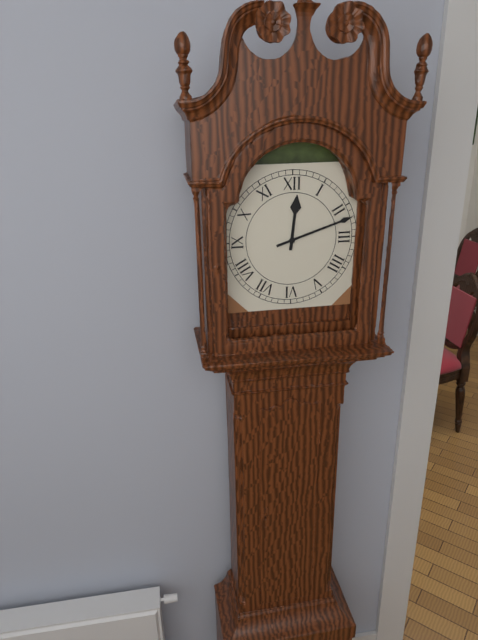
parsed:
12,12
